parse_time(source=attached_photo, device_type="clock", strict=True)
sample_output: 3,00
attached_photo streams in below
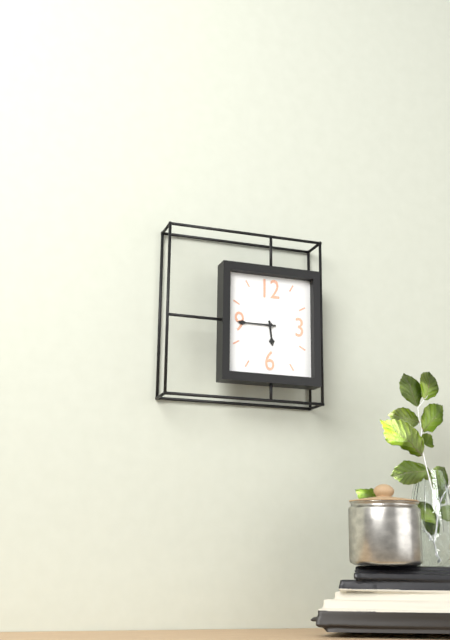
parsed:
5,45
